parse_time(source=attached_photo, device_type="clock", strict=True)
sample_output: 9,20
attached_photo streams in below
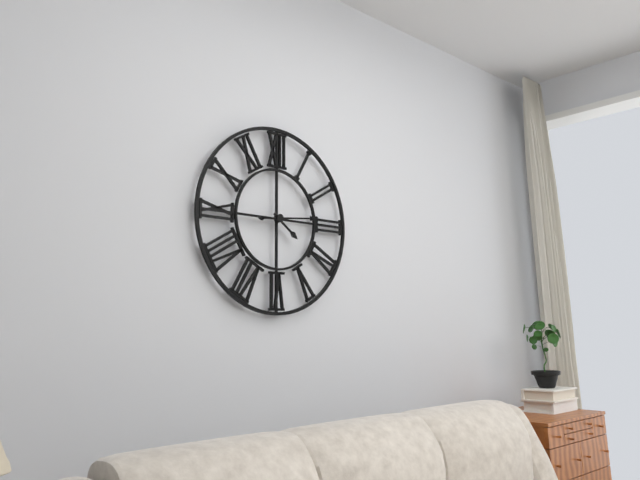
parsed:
4,14
